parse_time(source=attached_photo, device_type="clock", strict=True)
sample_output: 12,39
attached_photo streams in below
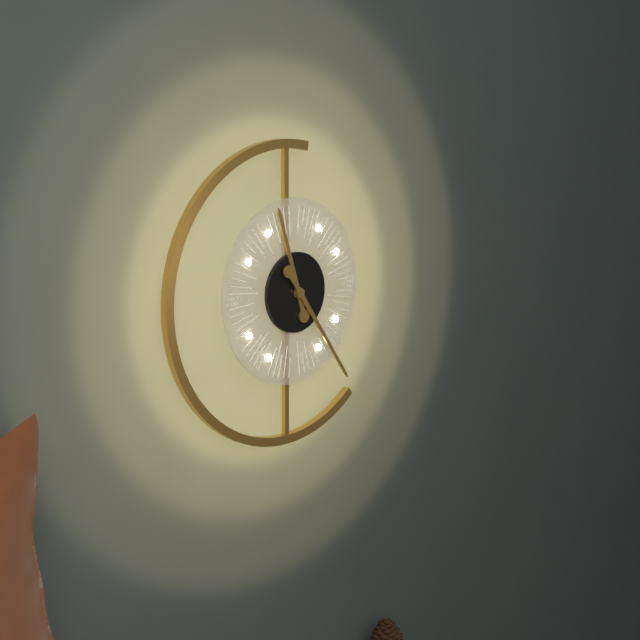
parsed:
11,24
